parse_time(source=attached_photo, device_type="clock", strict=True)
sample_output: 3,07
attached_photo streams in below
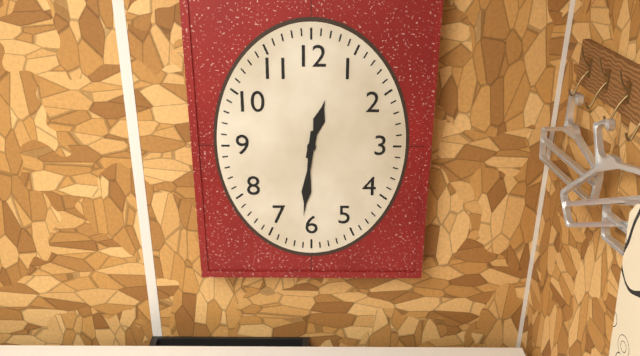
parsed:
12,31
